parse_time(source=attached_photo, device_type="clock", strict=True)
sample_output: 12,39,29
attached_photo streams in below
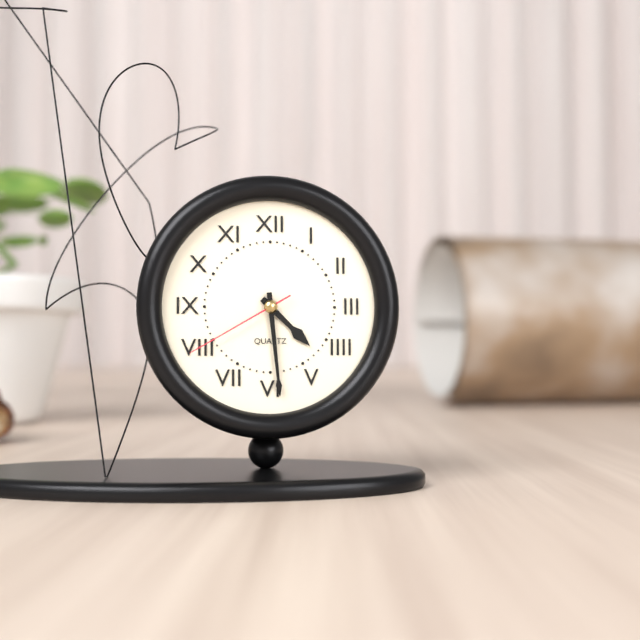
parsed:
4,29,40
